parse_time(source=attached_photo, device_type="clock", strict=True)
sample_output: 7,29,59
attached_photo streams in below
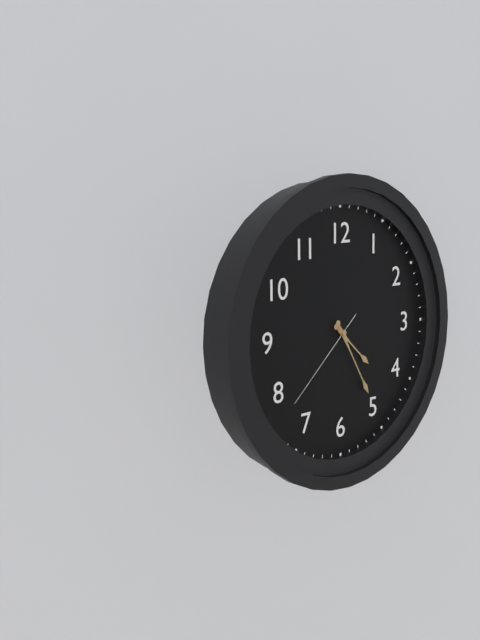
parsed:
4,25,38
